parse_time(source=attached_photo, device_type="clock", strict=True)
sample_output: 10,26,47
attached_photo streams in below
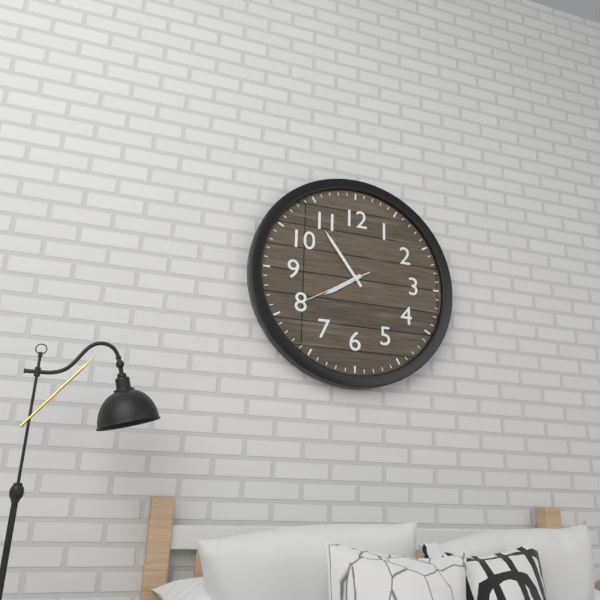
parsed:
7,54,40
